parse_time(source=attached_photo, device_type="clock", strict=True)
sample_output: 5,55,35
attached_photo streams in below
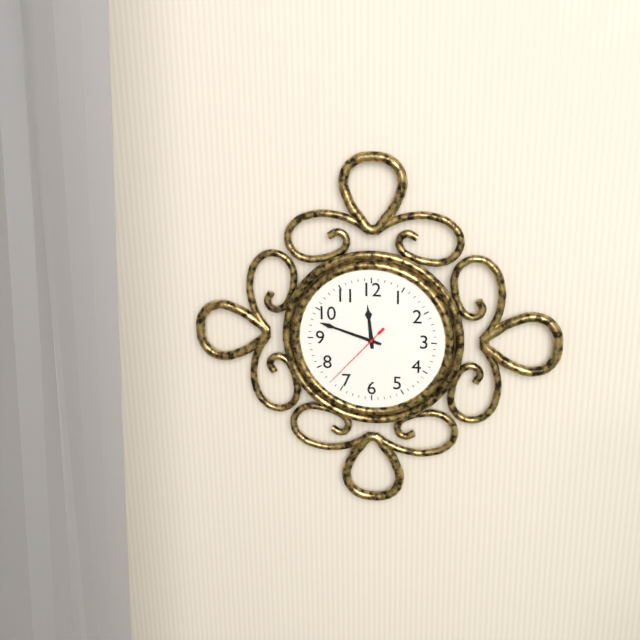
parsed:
11,48,37
